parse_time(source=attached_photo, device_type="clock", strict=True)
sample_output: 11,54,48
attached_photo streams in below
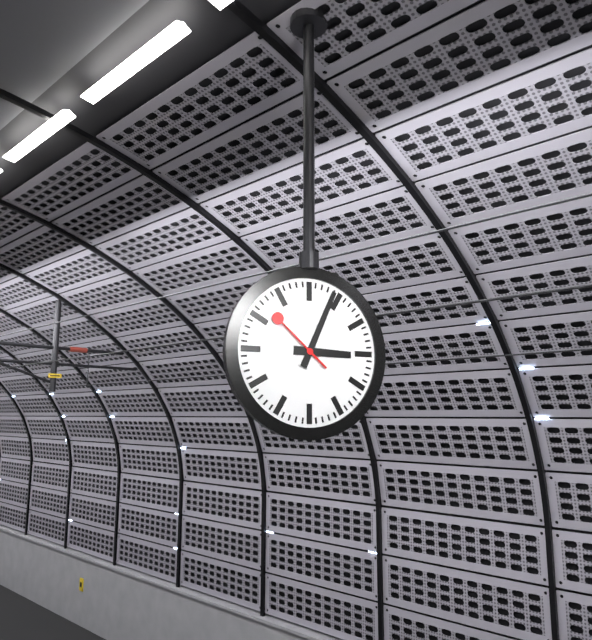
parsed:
3,04,52
